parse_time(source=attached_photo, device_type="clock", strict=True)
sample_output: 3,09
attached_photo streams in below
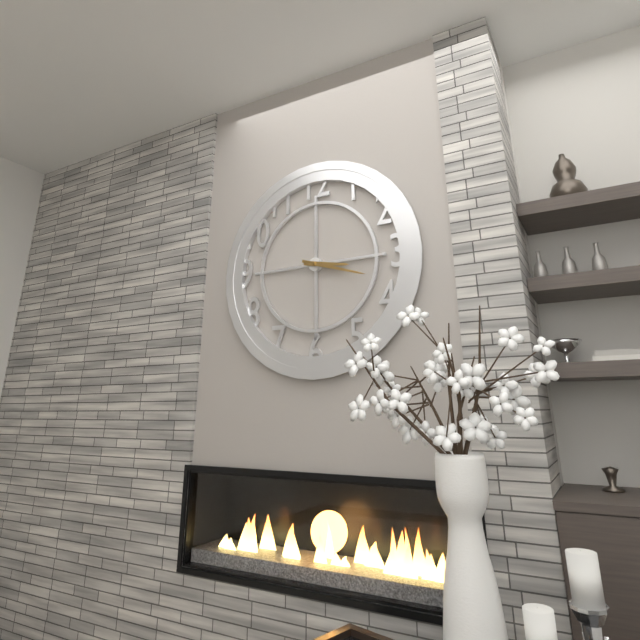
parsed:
3,18
